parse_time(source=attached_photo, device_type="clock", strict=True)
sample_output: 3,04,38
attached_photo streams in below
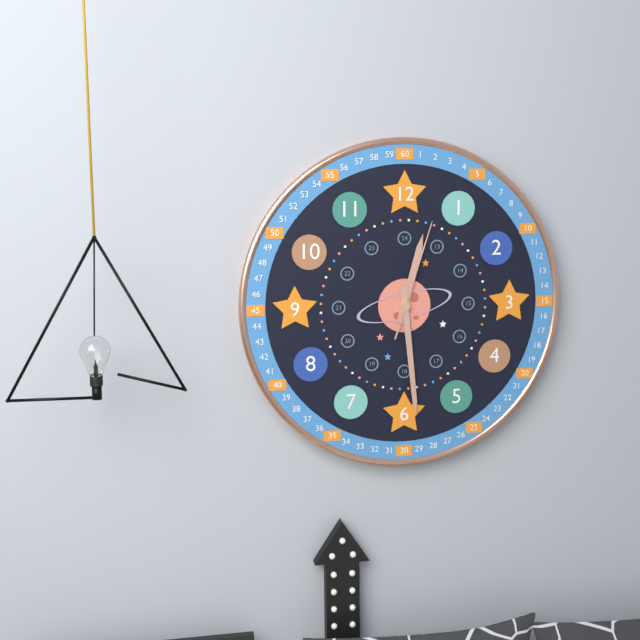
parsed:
12,29,03
